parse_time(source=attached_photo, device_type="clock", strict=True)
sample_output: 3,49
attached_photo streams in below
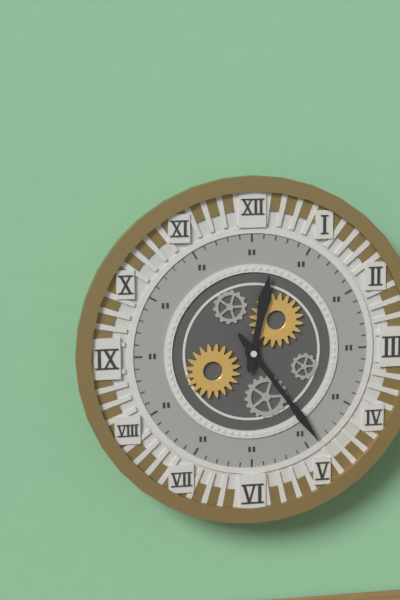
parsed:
12,24
